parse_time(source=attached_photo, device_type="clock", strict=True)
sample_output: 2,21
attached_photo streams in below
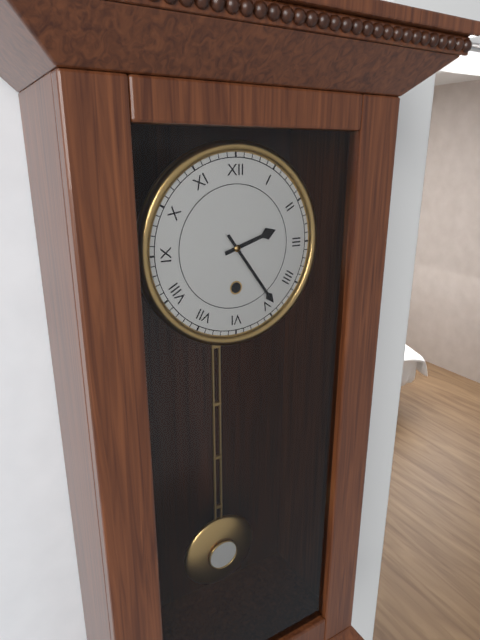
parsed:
2,24
